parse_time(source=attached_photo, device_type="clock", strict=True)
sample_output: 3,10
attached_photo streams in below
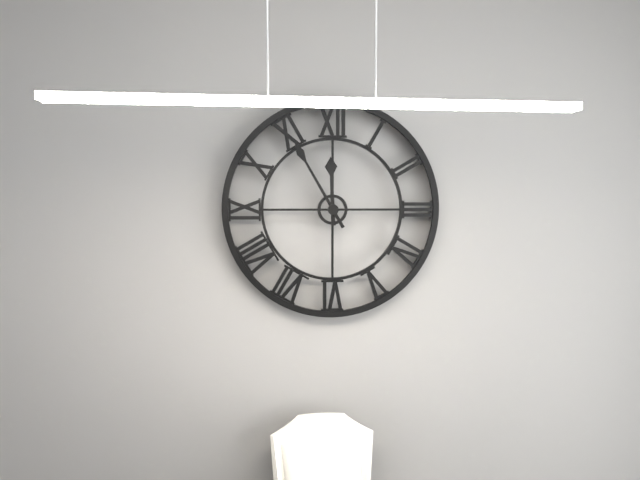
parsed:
11,55
